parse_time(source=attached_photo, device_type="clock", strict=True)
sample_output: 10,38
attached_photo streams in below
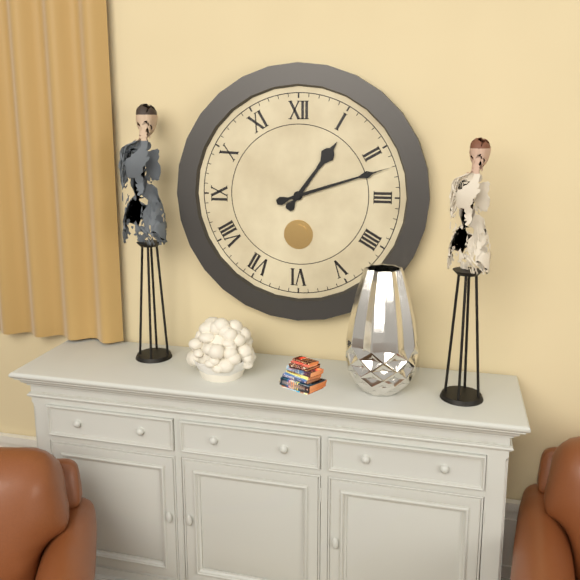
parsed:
1,12
